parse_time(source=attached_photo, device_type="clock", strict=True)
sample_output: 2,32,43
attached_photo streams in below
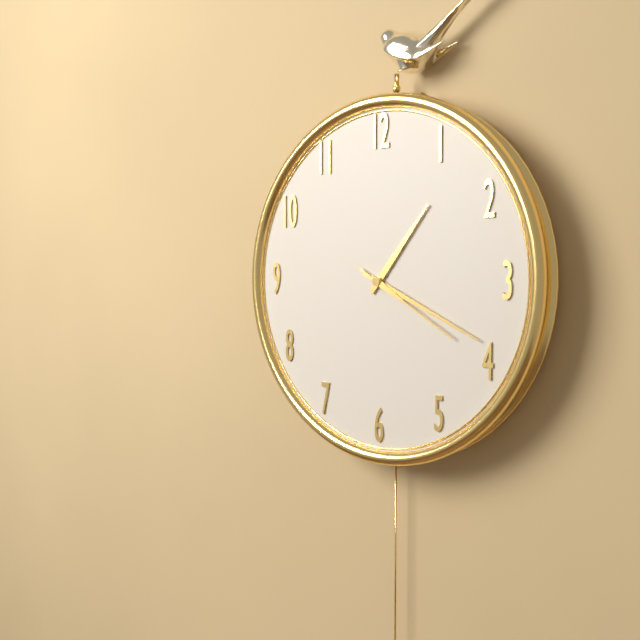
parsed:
1,19,20
